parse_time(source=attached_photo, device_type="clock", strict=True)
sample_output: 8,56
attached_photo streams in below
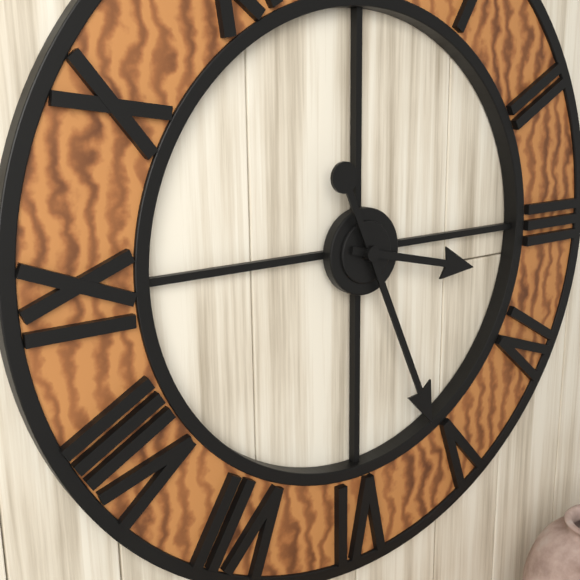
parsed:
3,26
